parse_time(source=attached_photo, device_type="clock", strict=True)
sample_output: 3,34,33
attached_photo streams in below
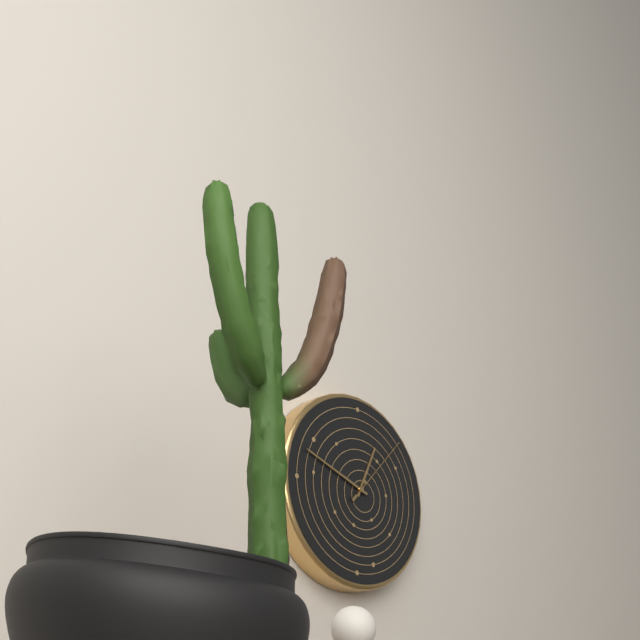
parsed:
12,48,07
